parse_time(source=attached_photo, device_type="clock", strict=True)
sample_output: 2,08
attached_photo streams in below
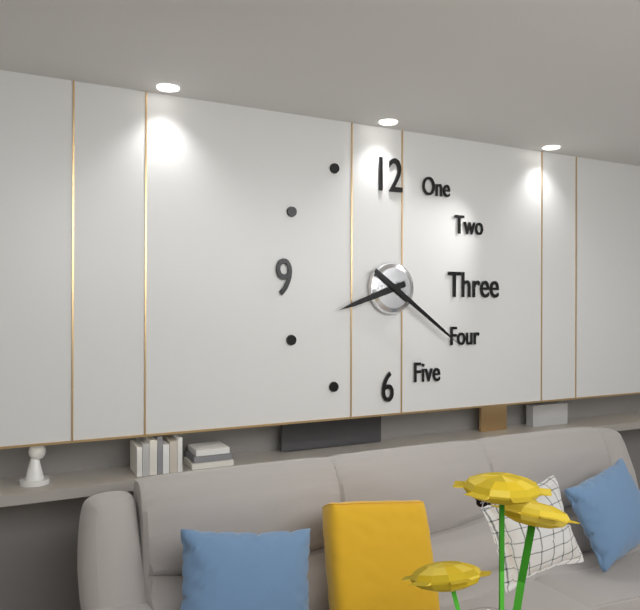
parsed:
8,21
